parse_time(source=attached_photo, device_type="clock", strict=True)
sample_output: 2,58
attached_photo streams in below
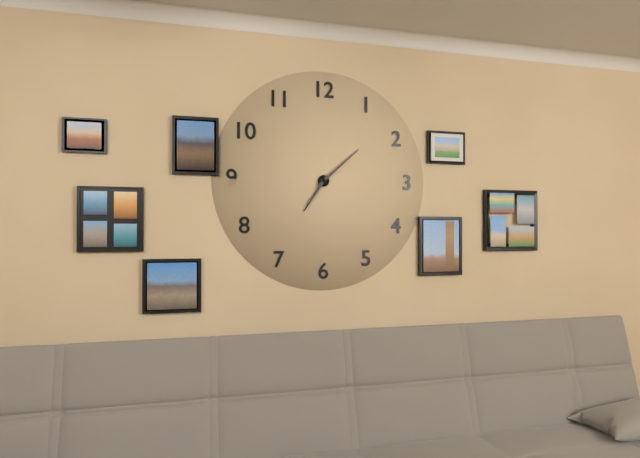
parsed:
7,08
